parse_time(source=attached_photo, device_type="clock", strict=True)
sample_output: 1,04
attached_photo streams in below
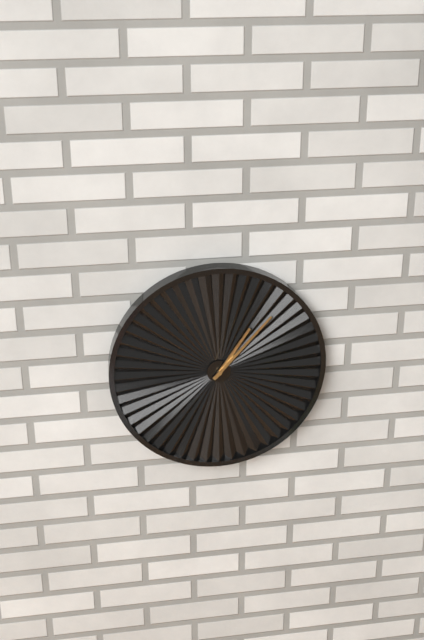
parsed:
1,07
